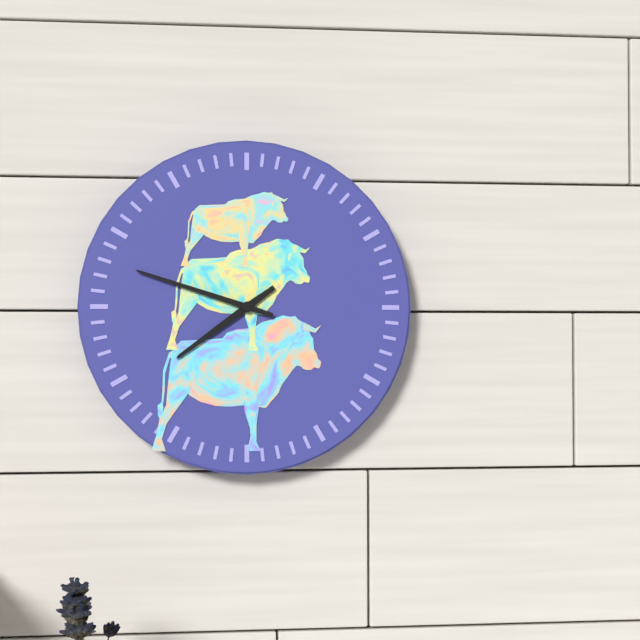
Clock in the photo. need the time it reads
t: 7:48
